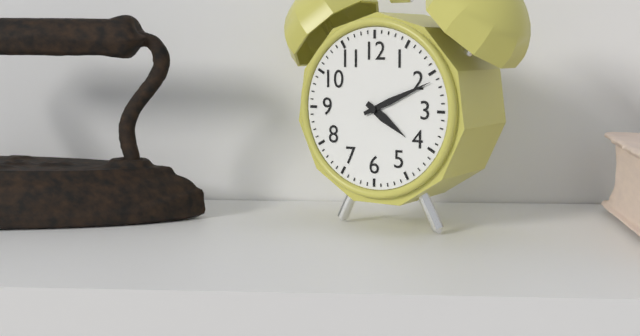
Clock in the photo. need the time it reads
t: 4:11
